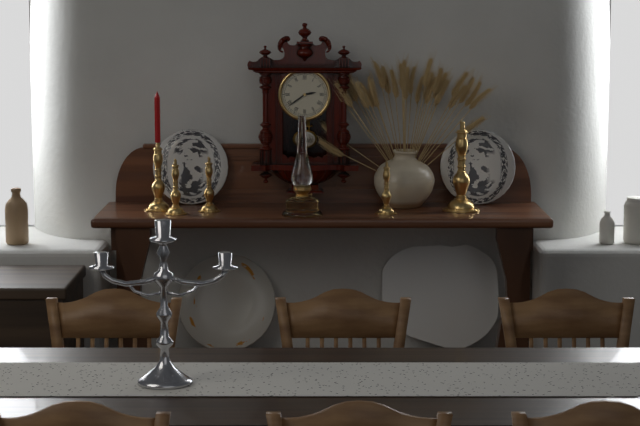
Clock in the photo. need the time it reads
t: 2:39
